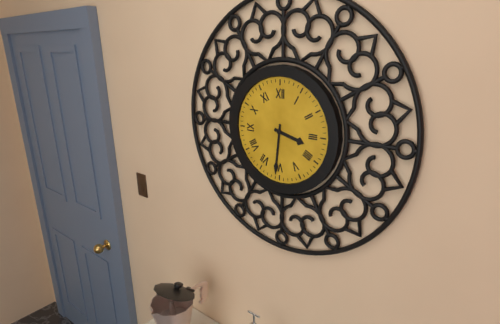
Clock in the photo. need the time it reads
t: 3:31
